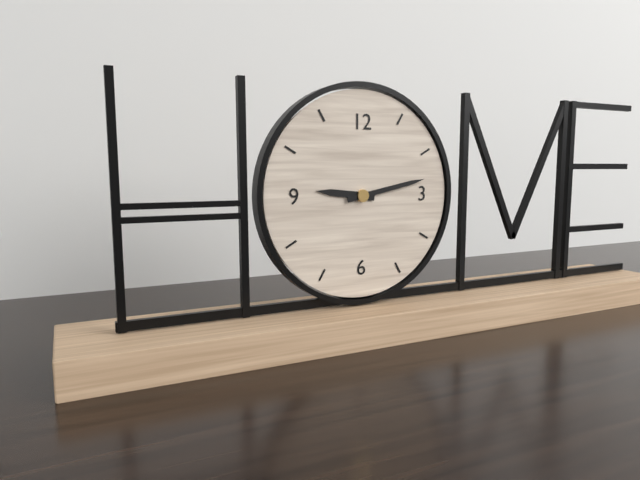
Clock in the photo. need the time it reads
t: 9:13
